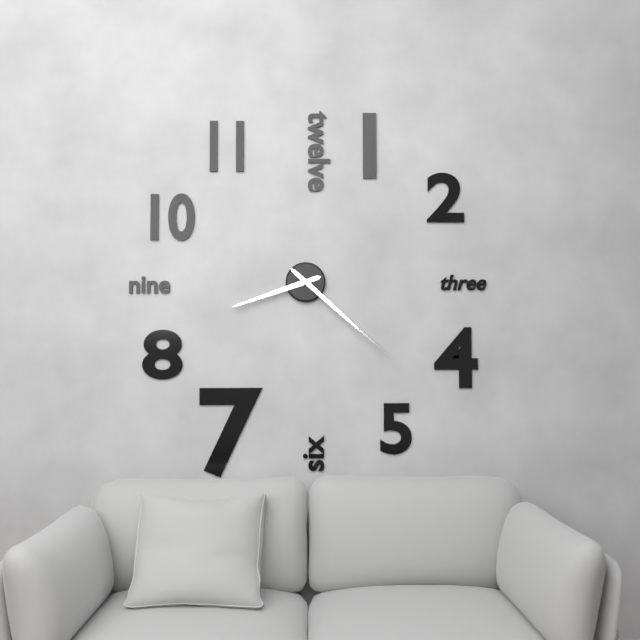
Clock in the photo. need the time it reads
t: 8:22
